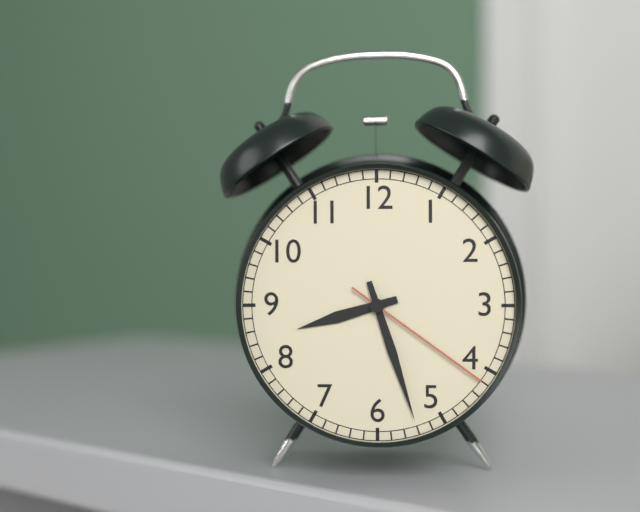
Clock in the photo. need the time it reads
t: 8:27:21
